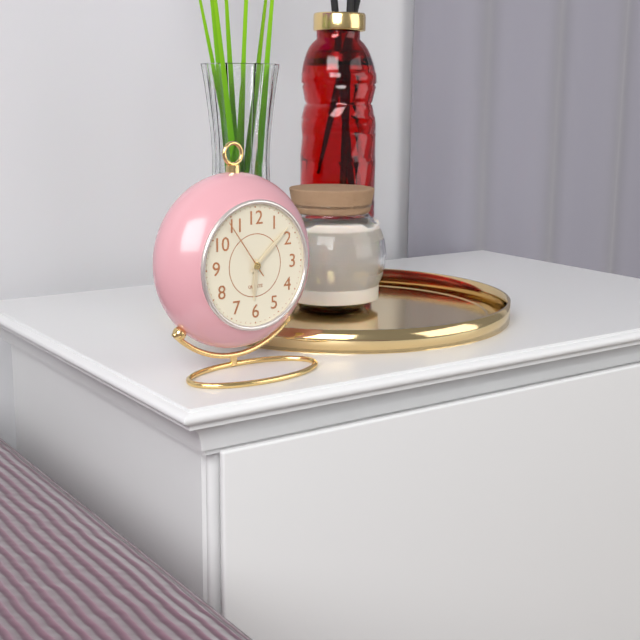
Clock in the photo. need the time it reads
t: 6:08:54
